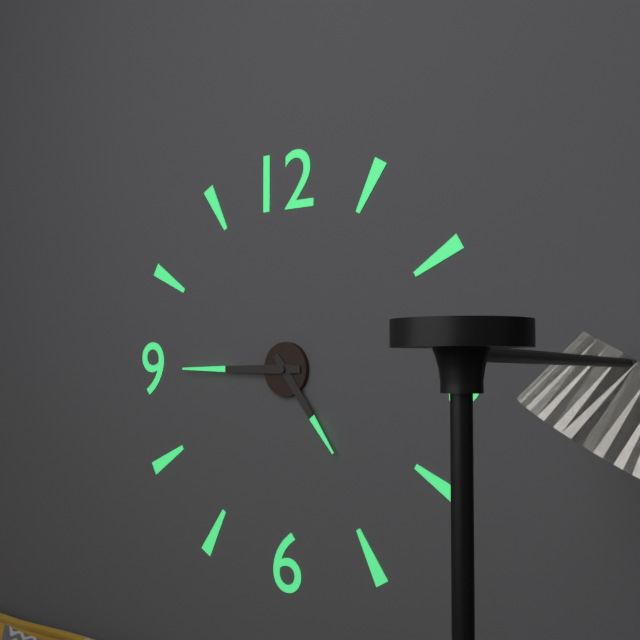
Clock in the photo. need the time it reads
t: 4:45
